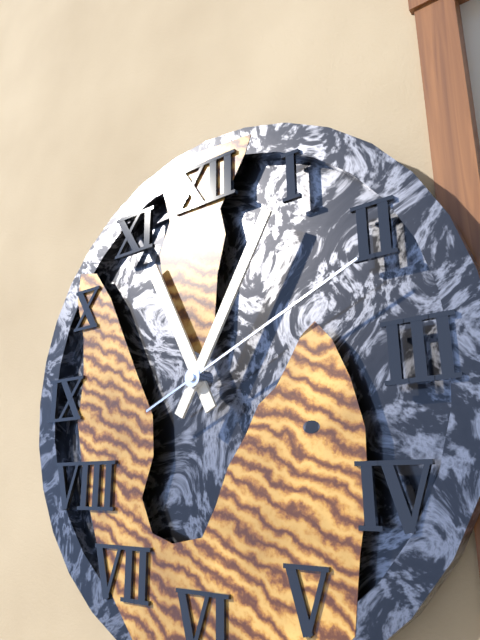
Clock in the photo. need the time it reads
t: 11:05:11
